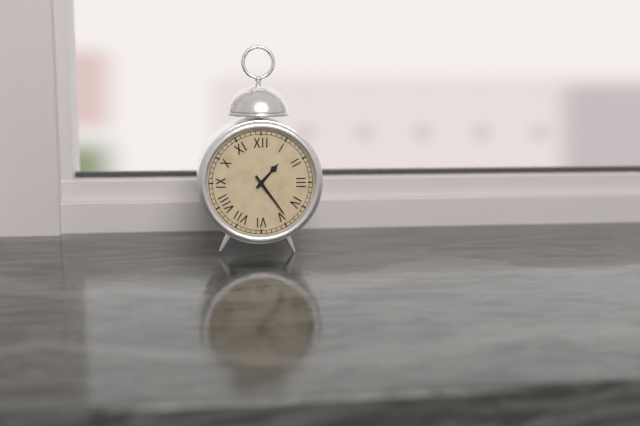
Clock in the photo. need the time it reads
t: 1:24
